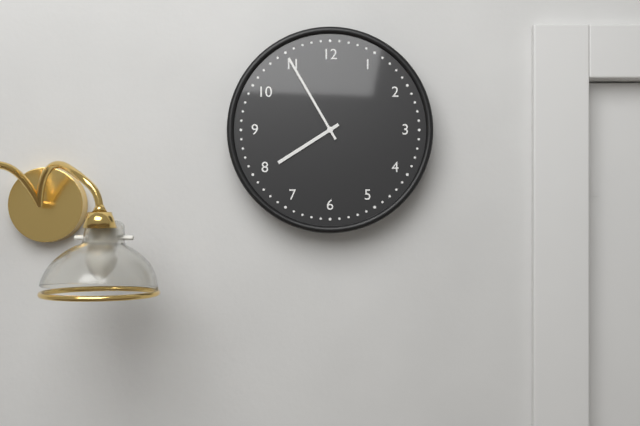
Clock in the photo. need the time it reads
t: 7:55
